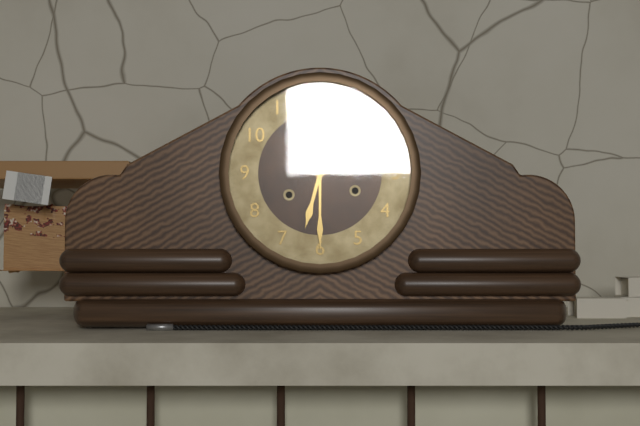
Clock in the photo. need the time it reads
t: 6:30
